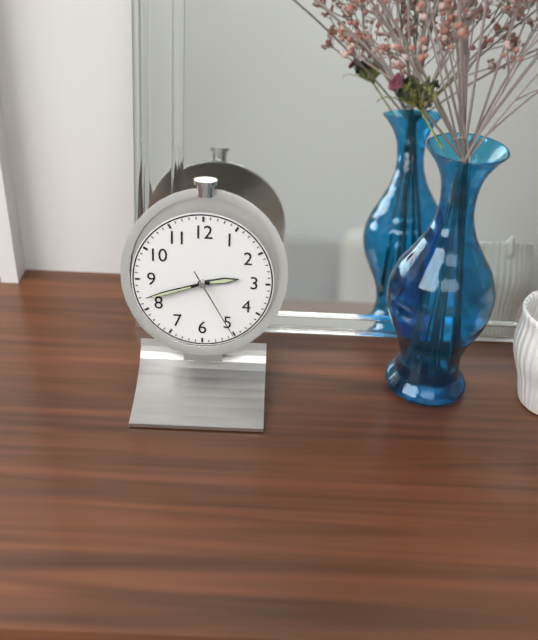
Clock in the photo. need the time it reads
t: 2:42:25
